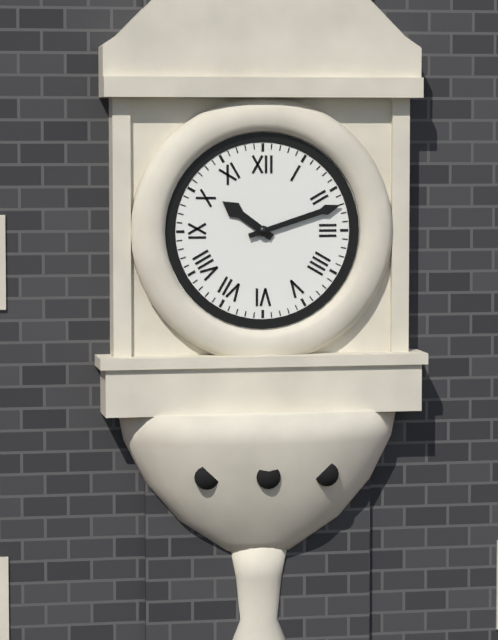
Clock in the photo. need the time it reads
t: 10:12
